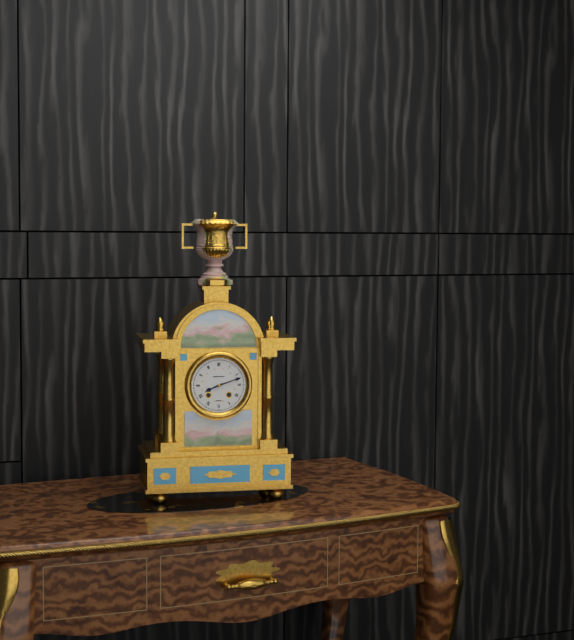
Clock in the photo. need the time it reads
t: 8:12
